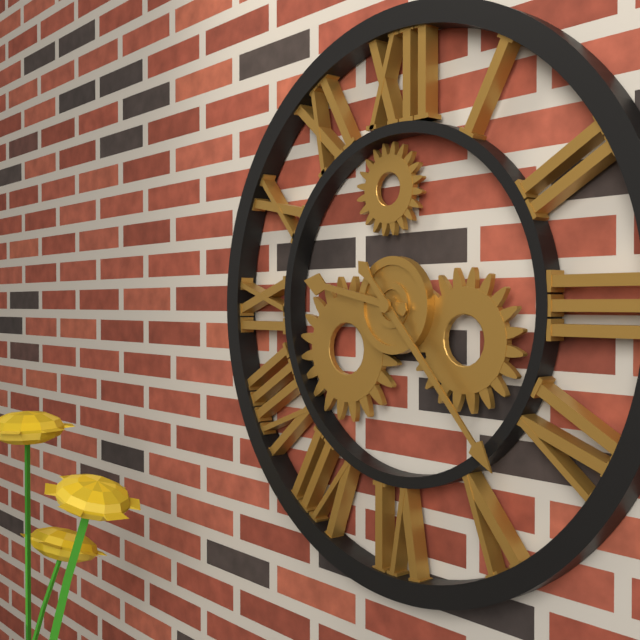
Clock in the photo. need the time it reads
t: 9:23
